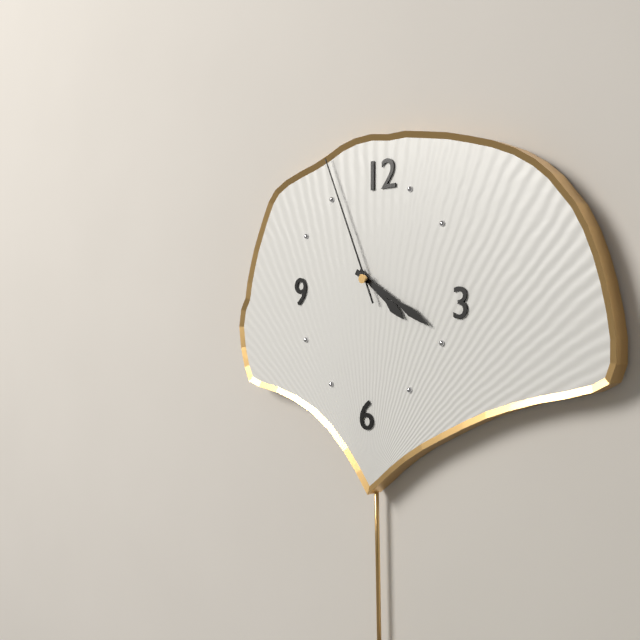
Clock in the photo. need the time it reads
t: 4:20:56
